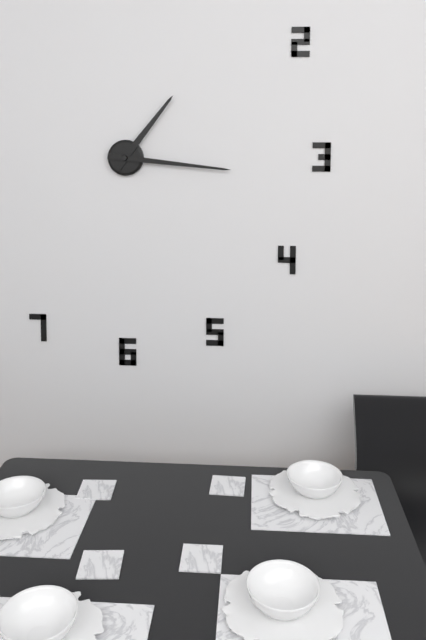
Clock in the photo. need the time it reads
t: 1:16
